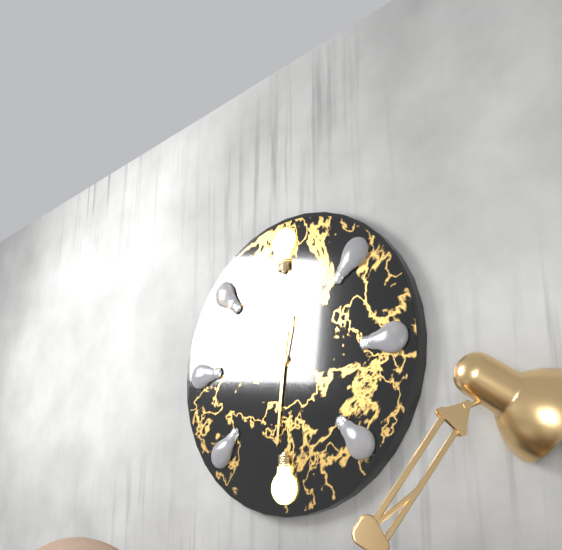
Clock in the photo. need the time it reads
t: 12:31
